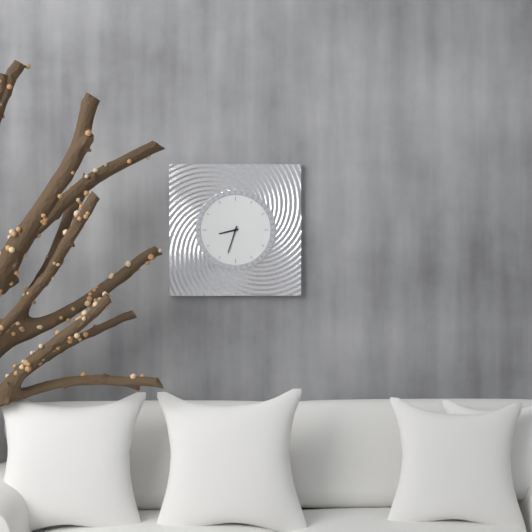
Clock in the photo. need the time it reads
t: 8:33
